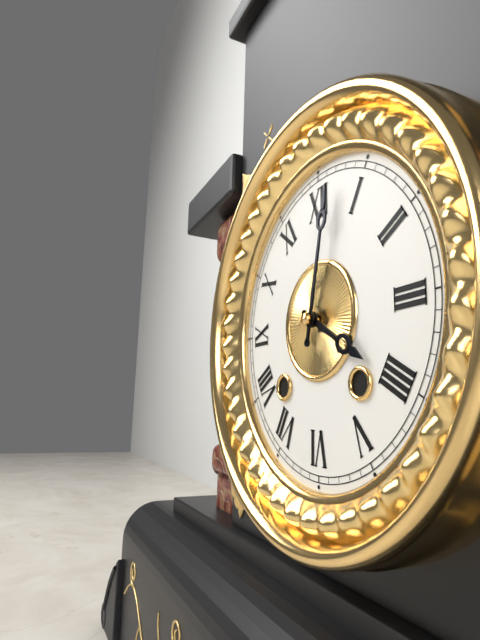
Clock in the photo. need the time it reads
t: 4:02
